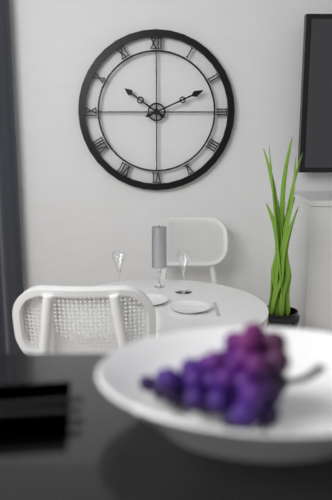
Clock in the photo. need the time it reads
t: 10:11
